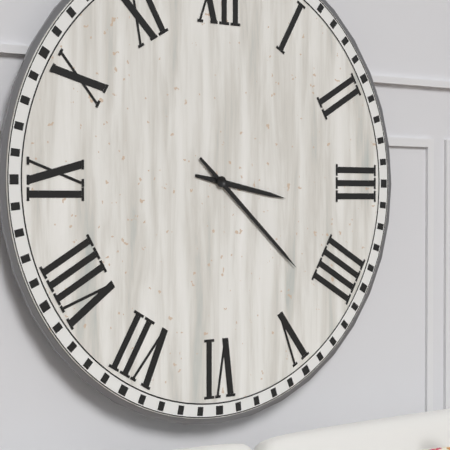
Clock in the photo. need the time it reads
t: 3:22
